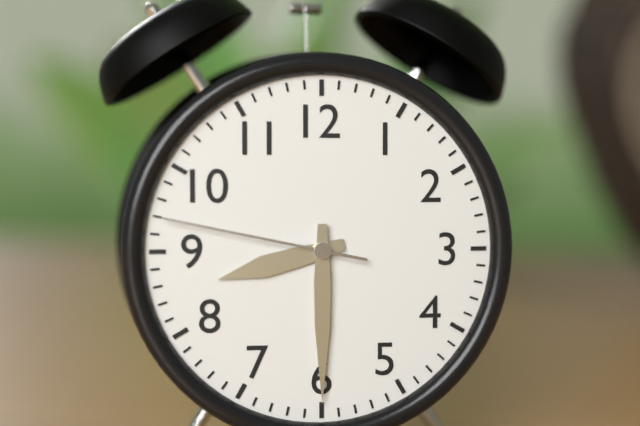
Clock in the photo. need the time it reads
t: 8:30:47
